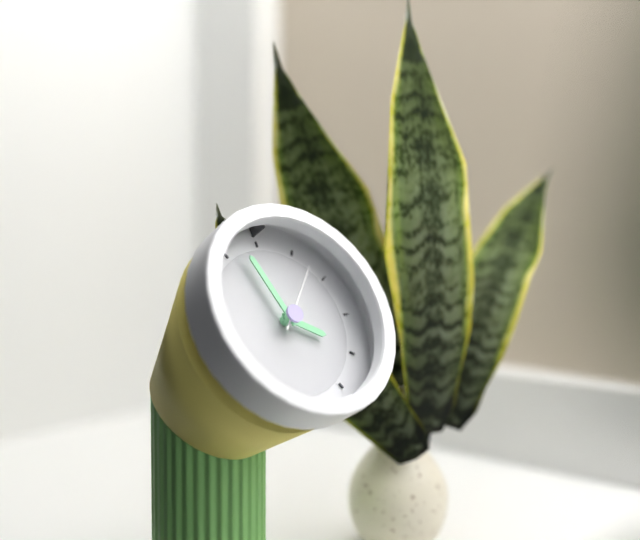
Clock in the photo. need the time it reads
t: 3:57:07
